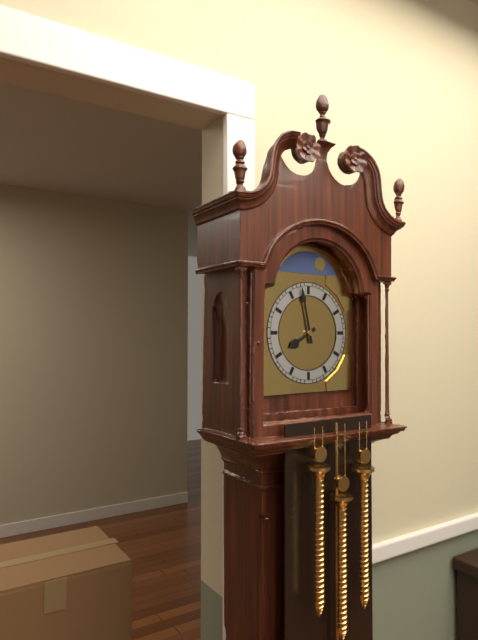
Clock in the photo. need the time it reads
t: 7:58
